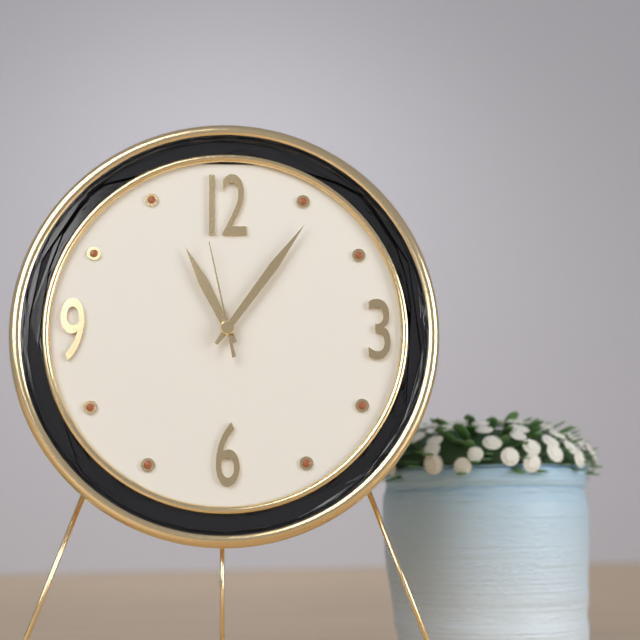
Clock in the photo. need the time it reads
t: 11:06:58
